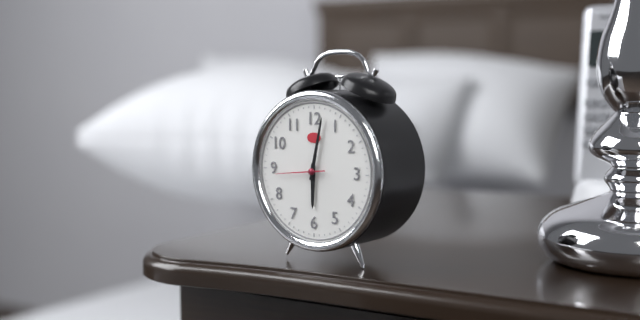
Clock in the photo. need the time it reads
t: 6:02
